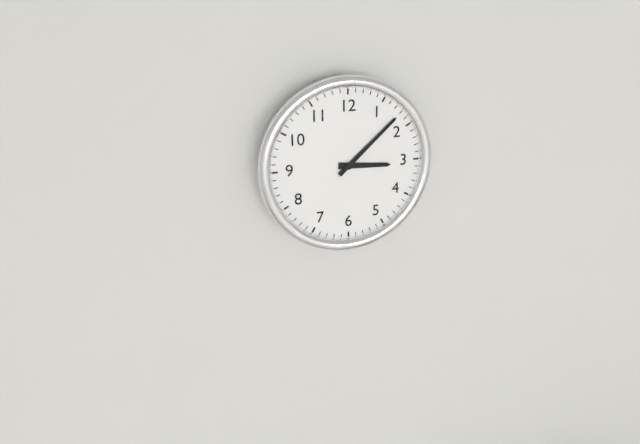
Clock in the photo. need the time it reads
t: 3:08
